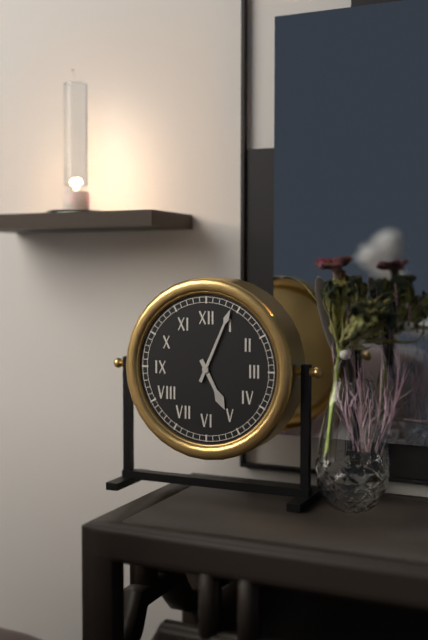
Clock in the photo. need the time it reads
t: 5:04
